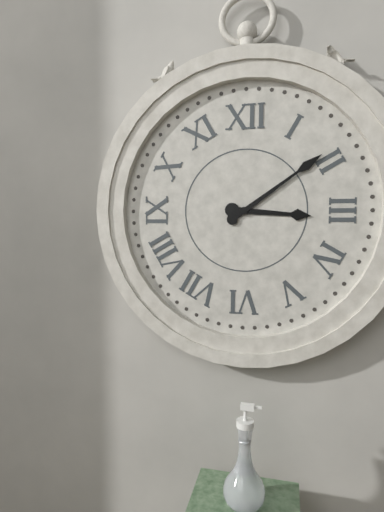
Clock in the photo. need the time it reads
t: 3:09
